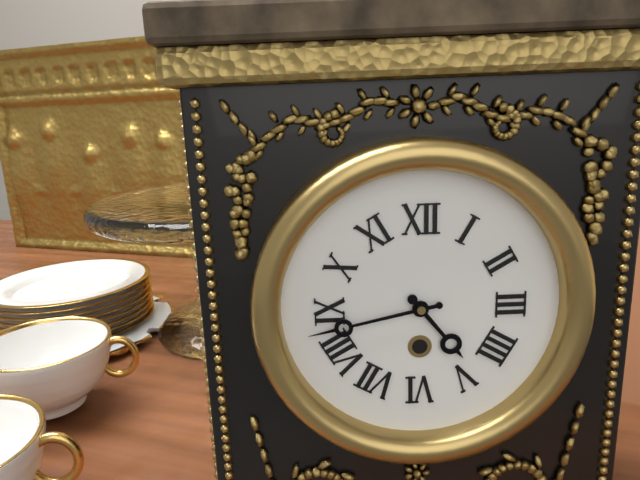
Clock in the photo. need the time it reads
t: 4:43
